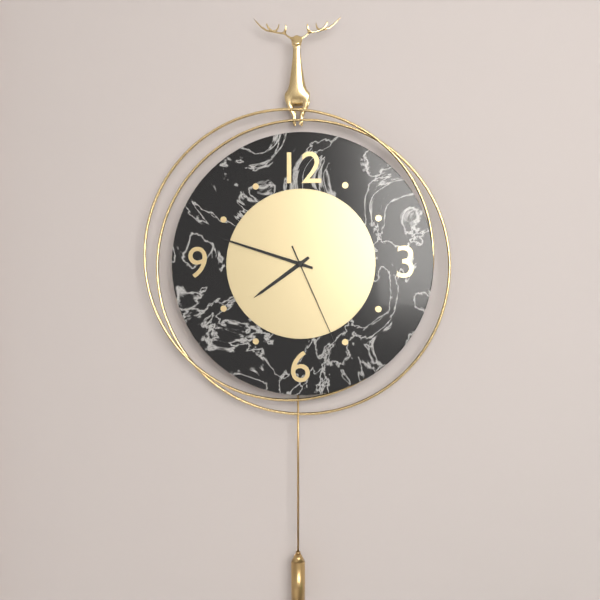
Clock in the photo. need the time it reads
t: 7:48:26
